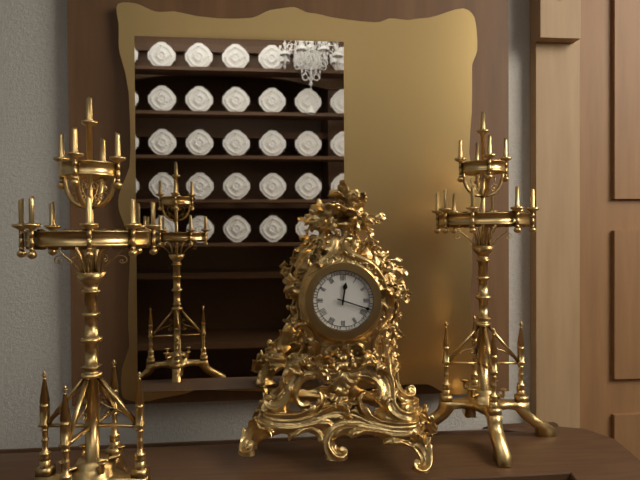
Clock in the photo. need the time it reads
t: 12:18
